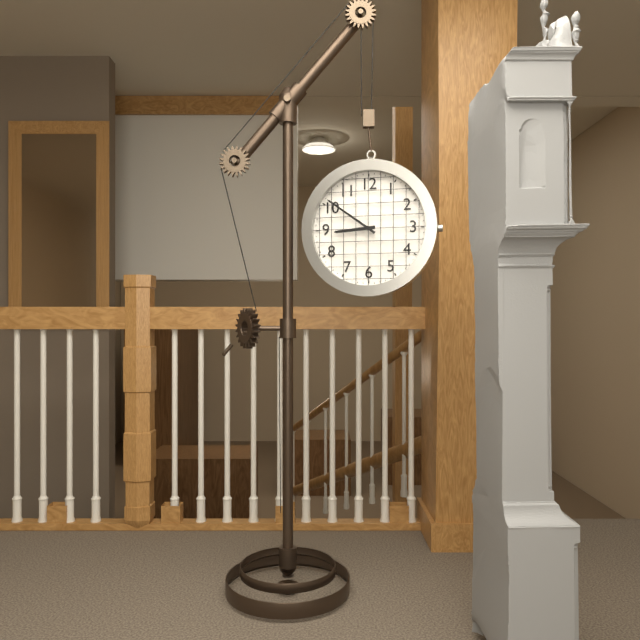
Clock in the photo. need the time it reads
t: 8:51
